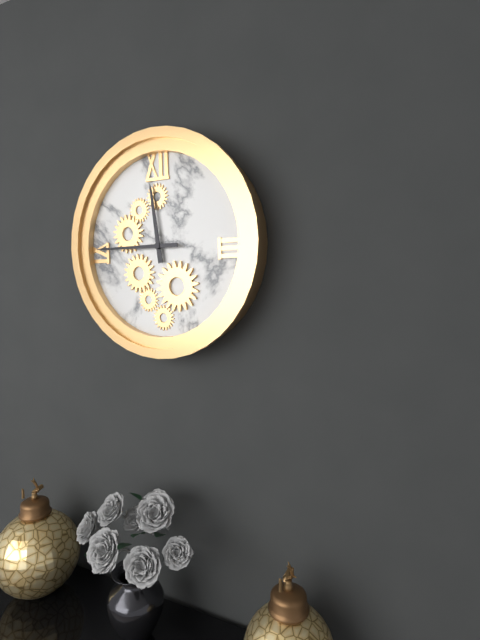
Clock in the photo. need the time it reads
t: 11:45
